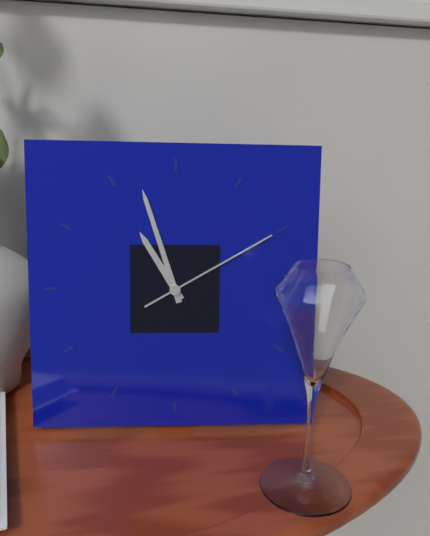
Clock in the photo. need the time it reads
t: 10:57:10
